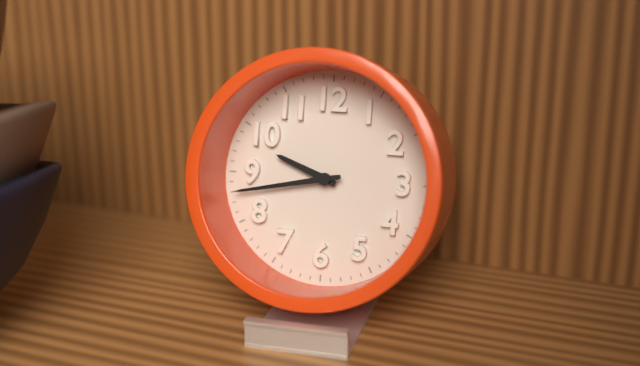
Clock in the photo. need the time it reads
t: 9:43
